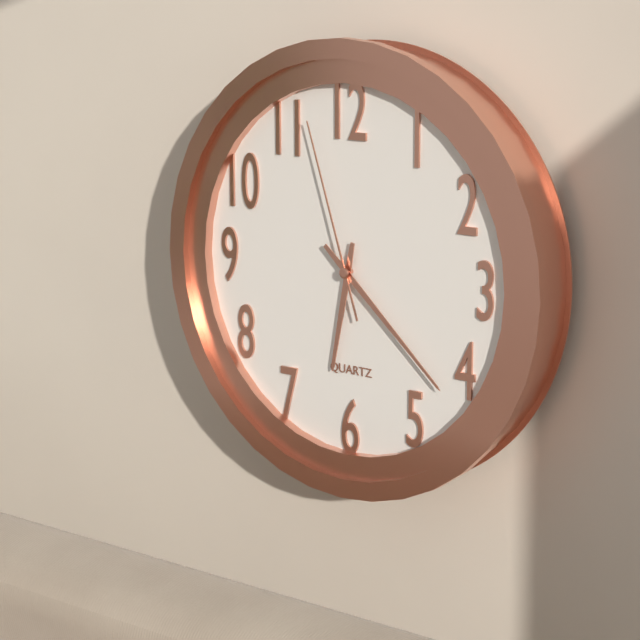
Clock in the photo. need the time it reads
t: 6:22:57
